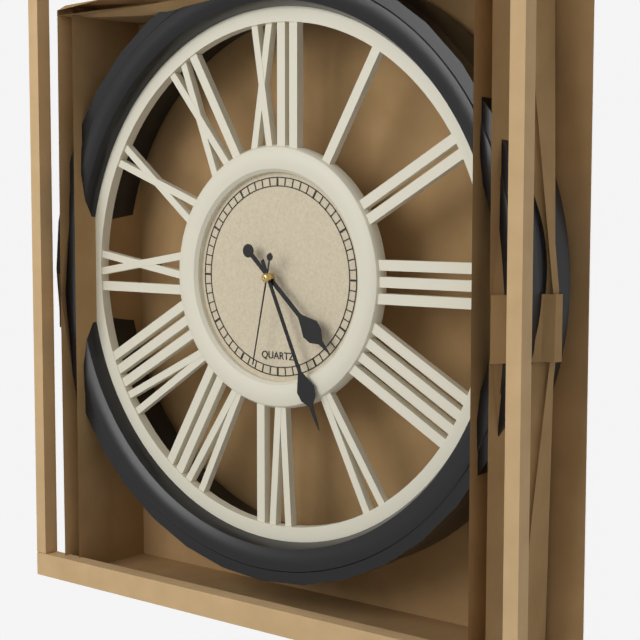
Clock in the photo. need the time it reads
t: 4:26:32
